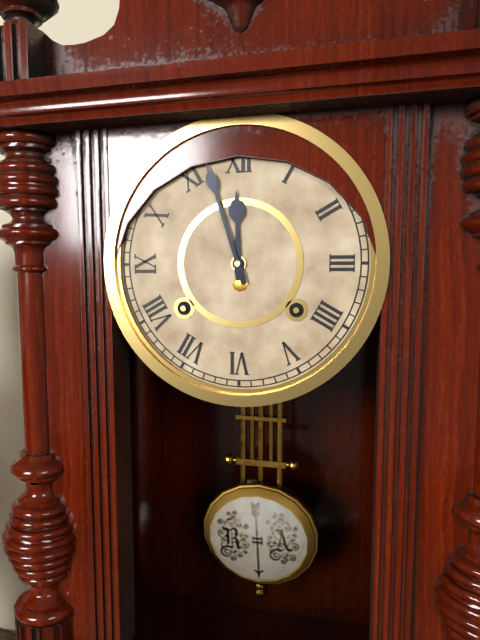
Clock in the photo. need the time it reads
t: 11:57
